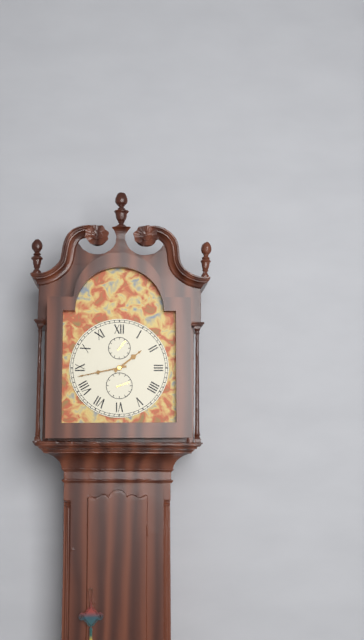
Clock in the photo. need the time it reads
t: 1:43
